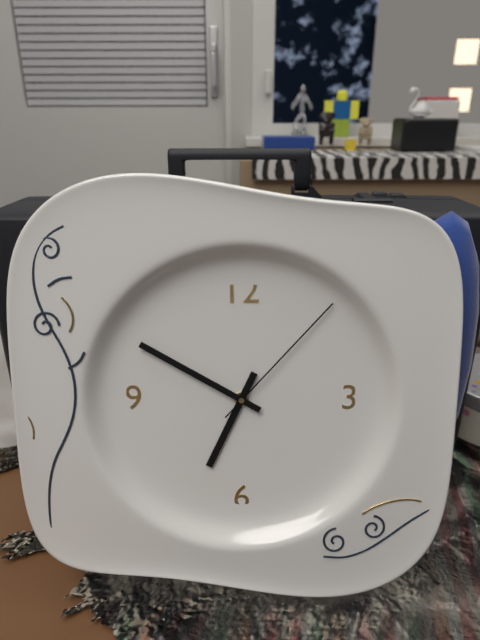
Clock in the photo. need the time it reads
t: 6:50:07
